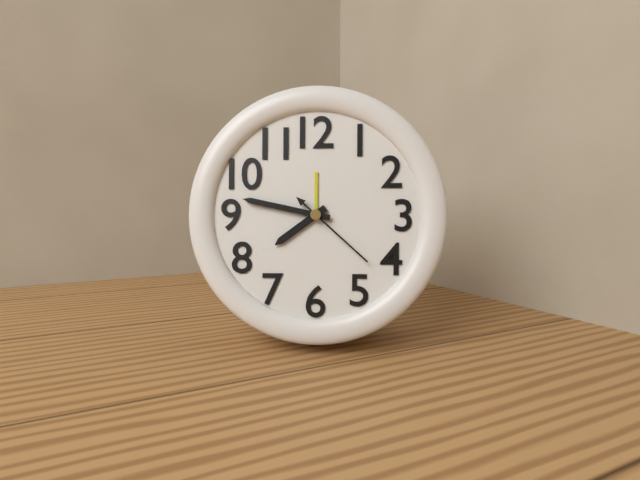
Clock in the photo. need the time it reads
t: 7:47:22
